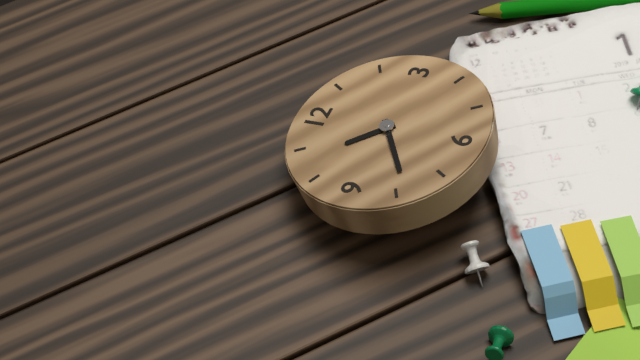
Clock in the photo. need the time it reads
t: 10:39
